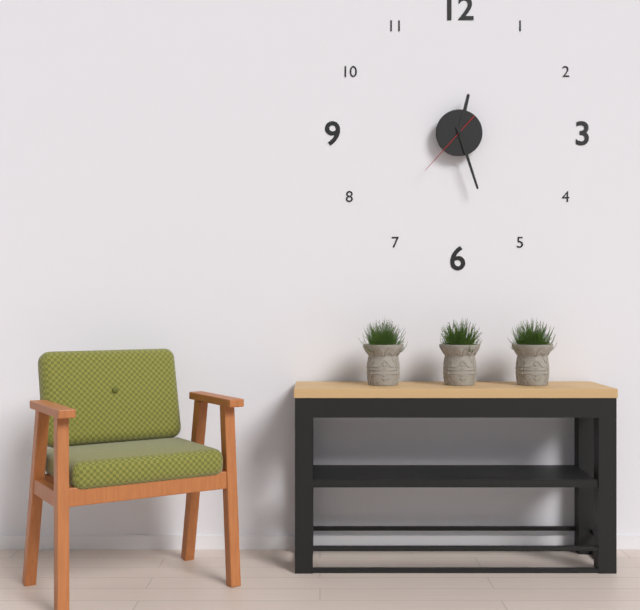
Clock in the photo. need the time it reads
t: 12:27:37
